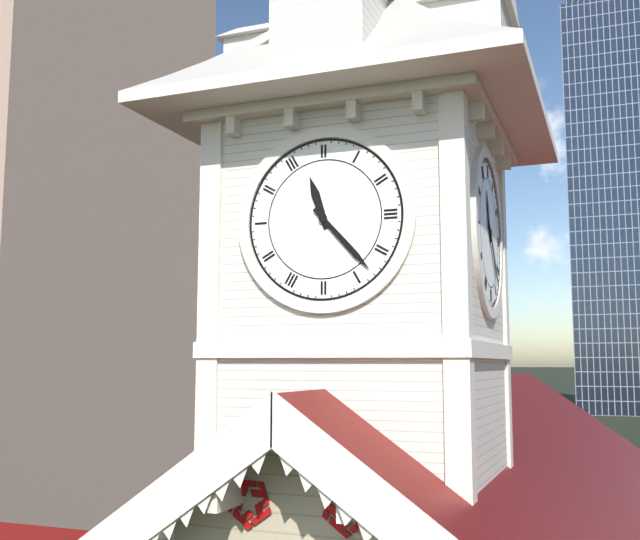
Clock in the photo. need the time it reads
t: 11:23
